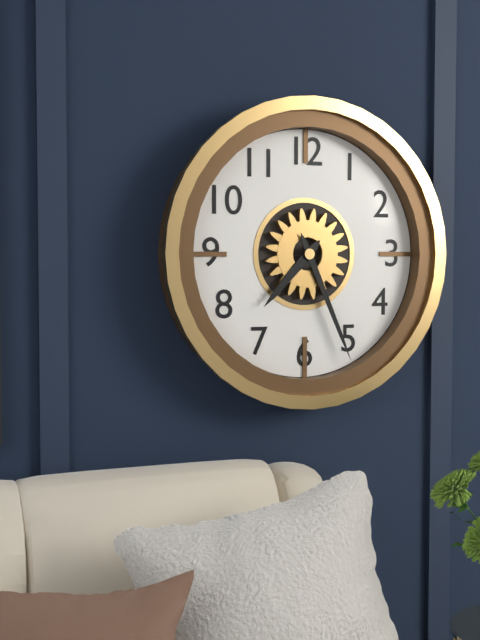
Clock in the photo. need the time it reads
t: 7:26
